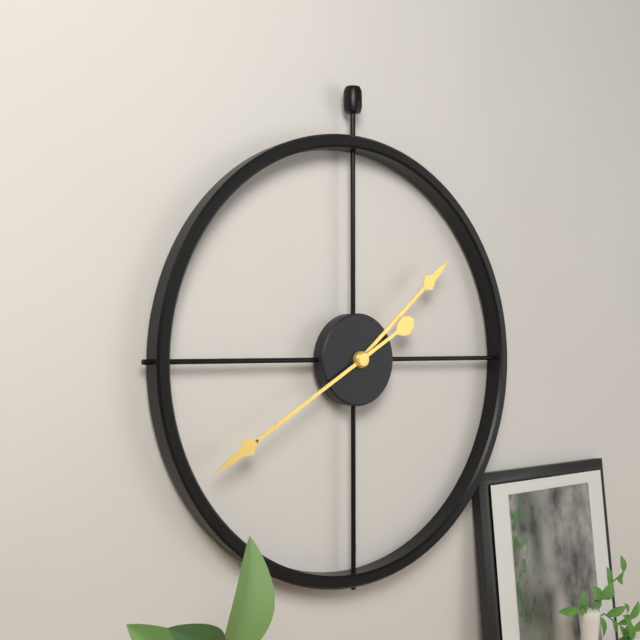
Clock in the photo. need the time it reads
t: 1:40
